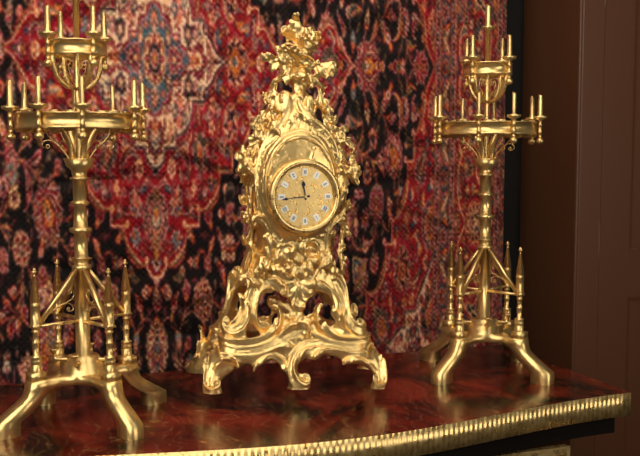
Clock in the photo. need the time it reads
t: 11:44
